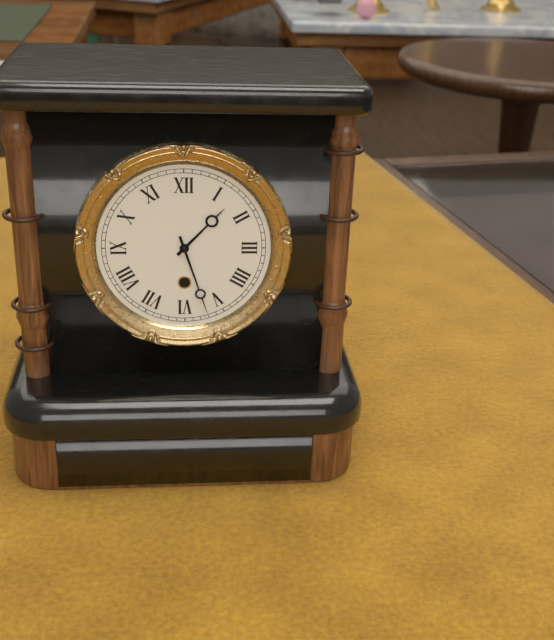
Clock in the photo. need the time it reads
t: 1:27
